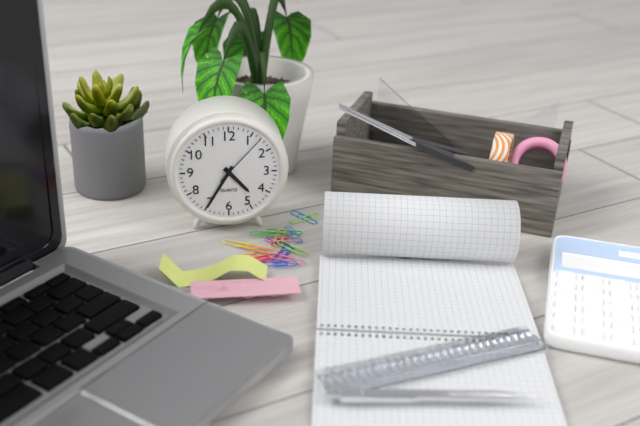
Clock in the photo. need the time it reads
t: 4:35:07
